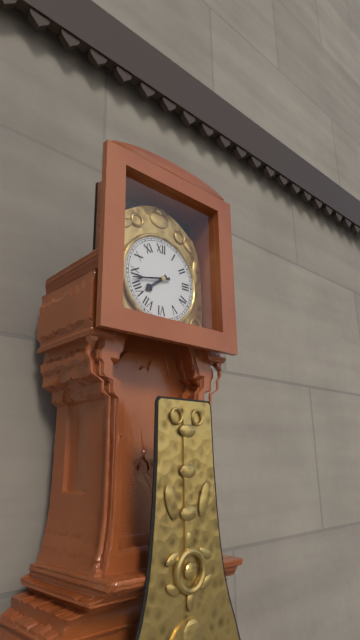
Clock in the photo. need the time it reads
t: 7:43
